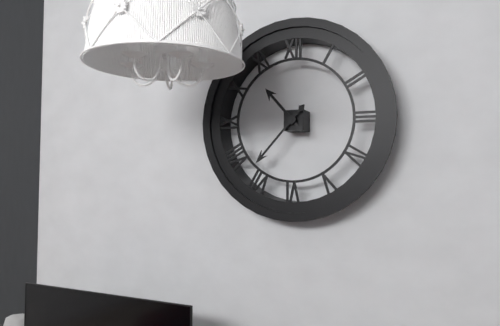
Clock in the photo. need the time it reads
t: 10:37
